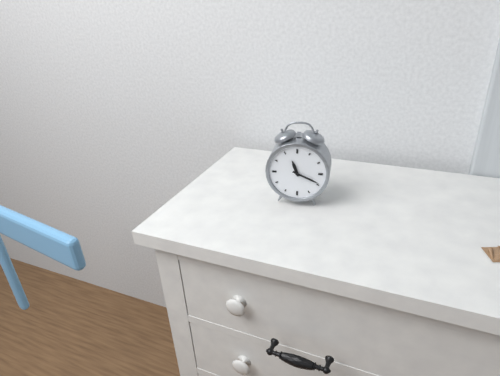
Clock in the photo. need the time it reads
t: 11:19
